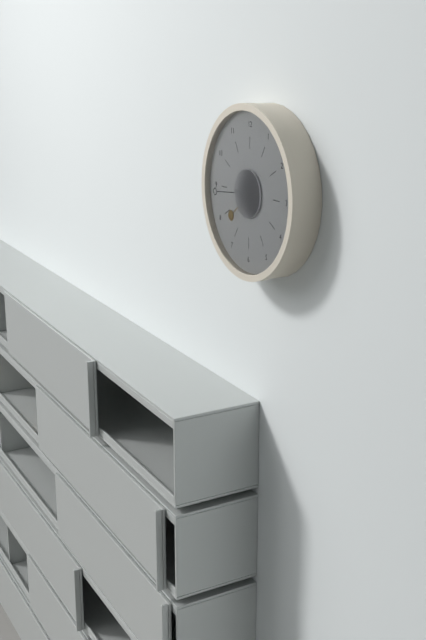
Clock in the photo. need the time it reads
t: 7:44
